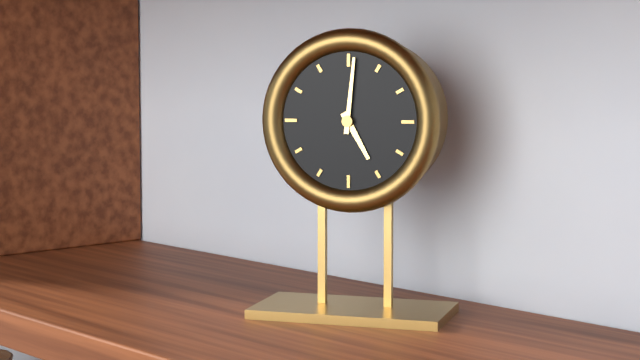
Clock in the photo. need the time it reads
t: 5:01
